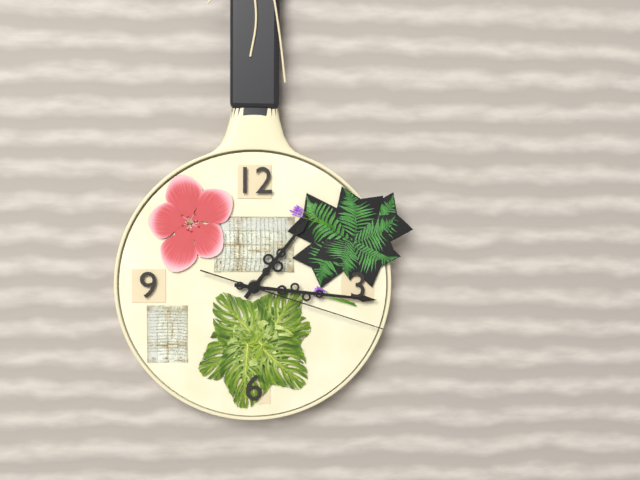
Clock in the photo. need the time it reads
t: 1:16:18
